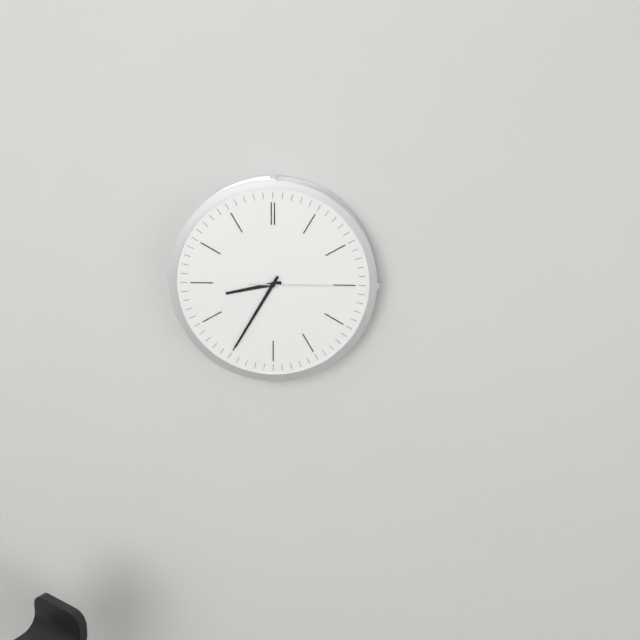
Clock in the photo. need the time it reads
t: 8:35:15
